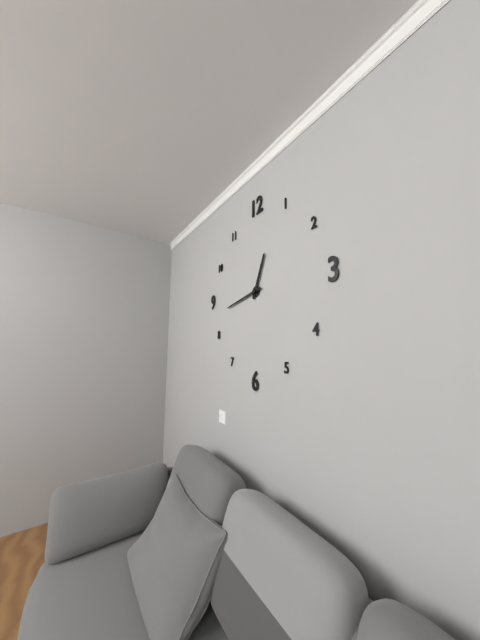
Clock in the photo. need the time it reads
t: 12:43
